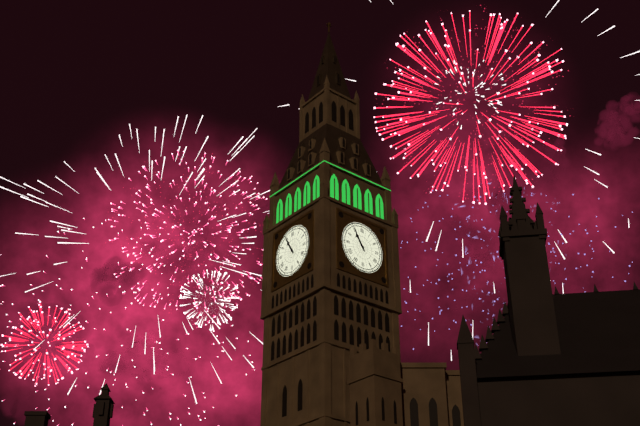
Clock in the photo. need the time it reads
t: 10:55
